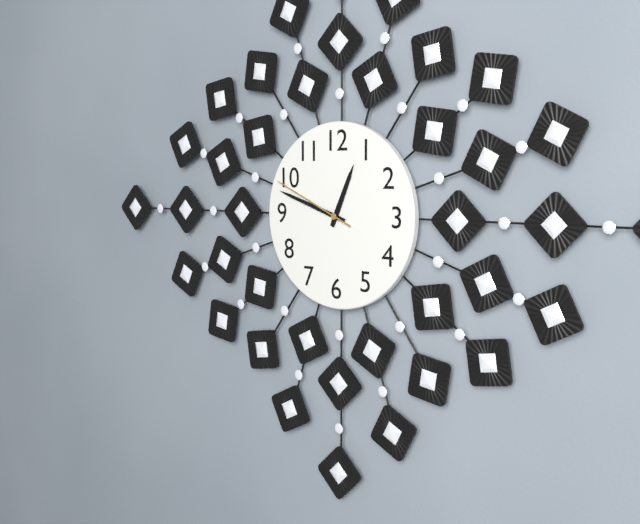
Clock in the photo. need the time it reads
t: 12:48:49
